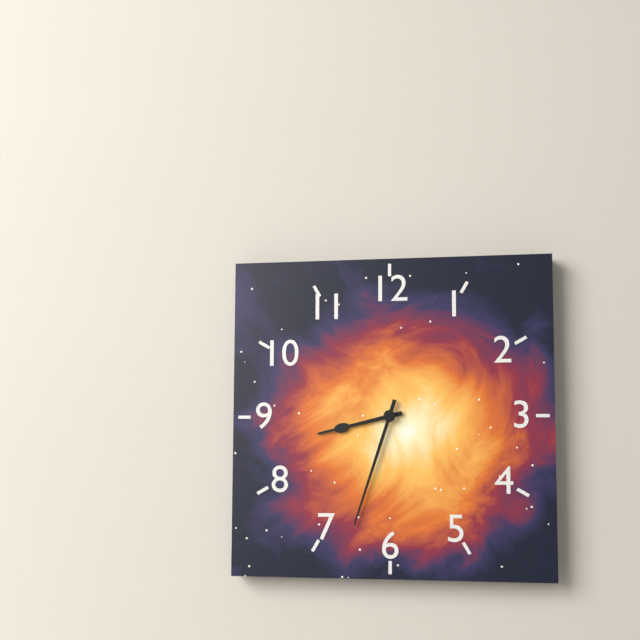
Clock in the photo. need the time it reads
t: 8:33
